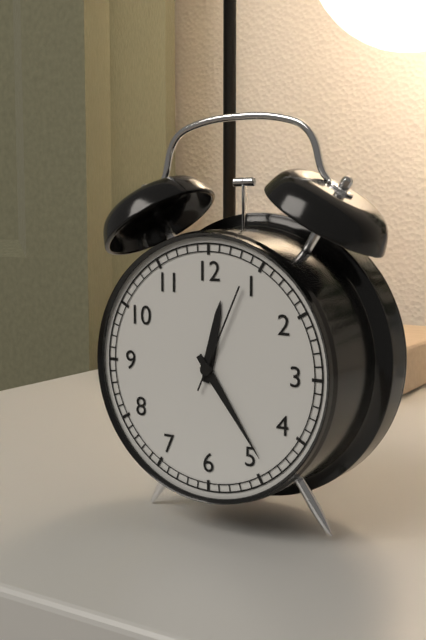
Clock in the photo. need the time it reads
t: 12:24:04
